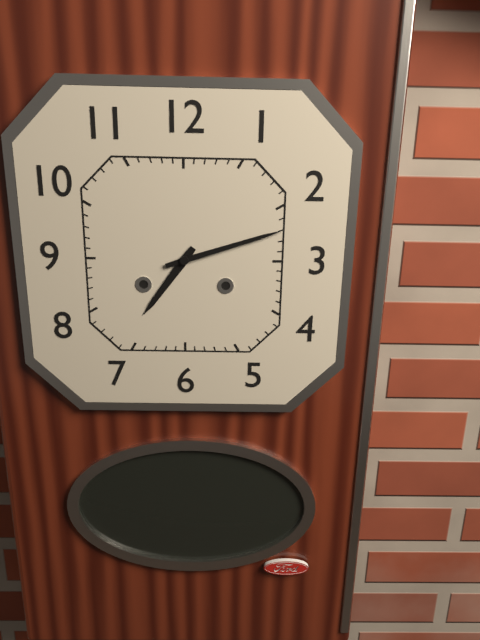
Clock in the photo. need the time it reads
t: 7:12
